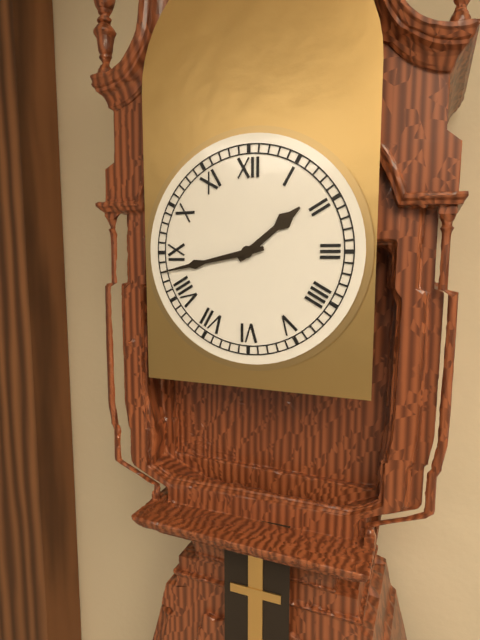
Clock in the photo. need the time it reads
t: 1:43
